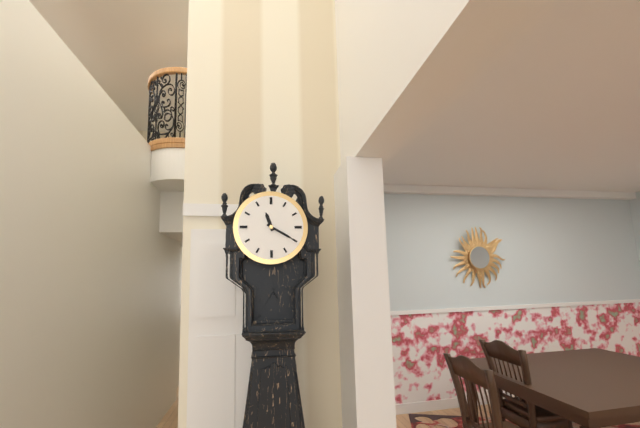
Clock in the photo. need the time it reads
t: 11:20
